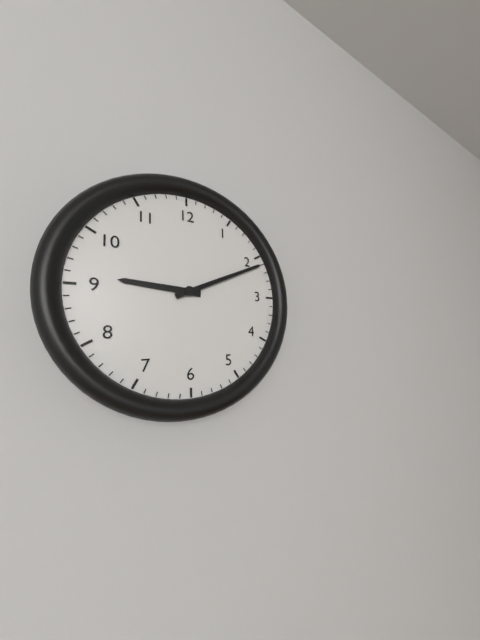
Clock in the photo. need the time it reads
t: 9:11
